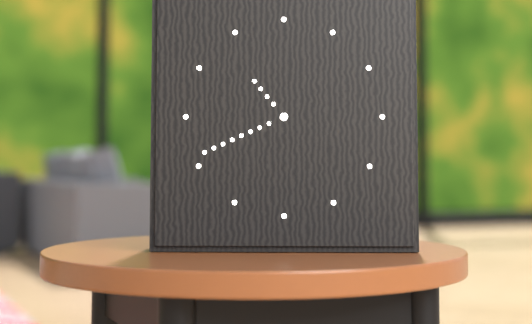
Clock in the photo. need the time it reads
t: 10:41
